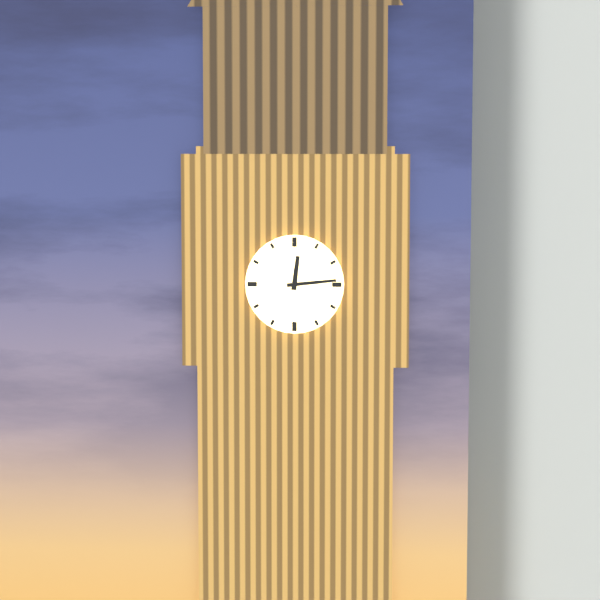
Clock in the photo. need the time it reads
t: 12:14
